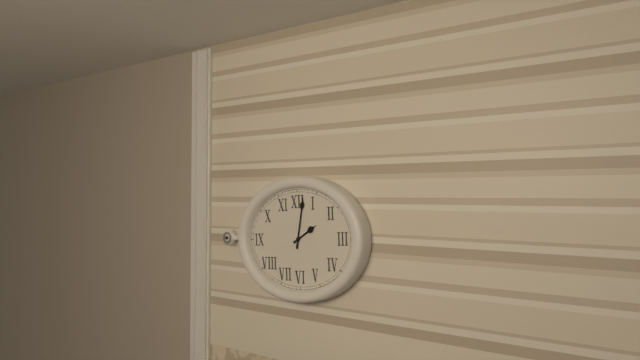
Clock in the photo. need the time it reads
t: 2:02
